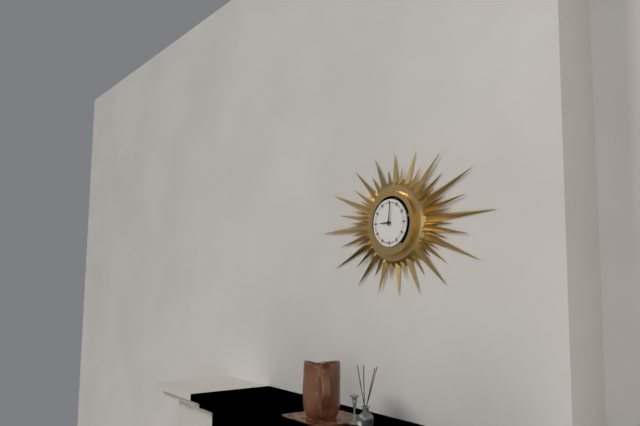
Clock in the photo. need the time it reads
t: 9:01
